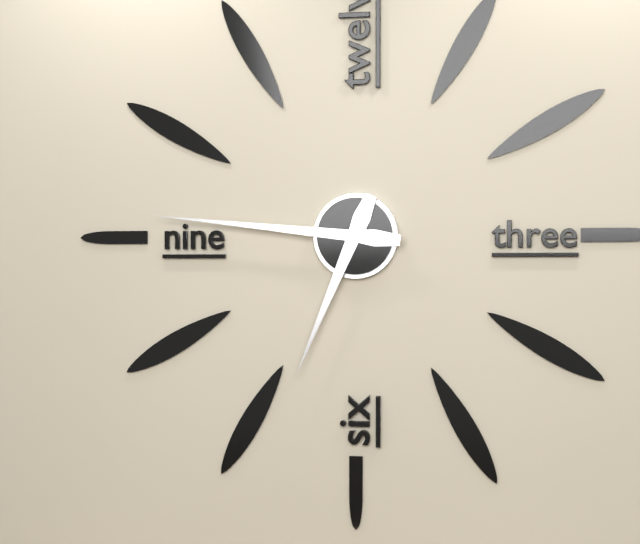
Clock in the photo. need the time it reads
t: 6:46
